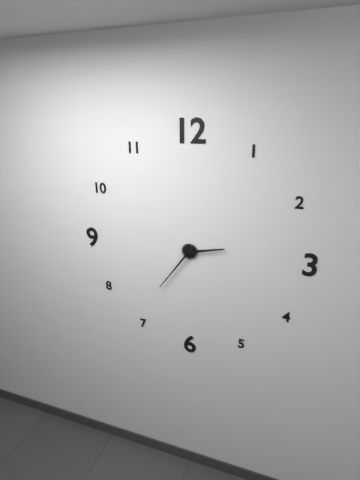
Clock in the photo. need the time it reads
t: 2:36
